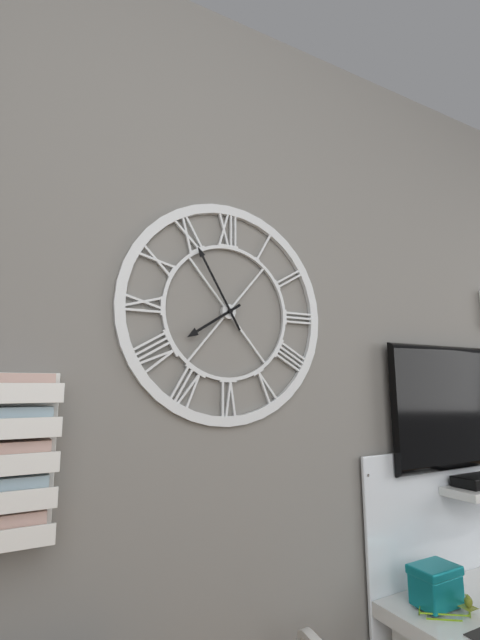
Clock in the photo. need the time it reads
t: 7:55
